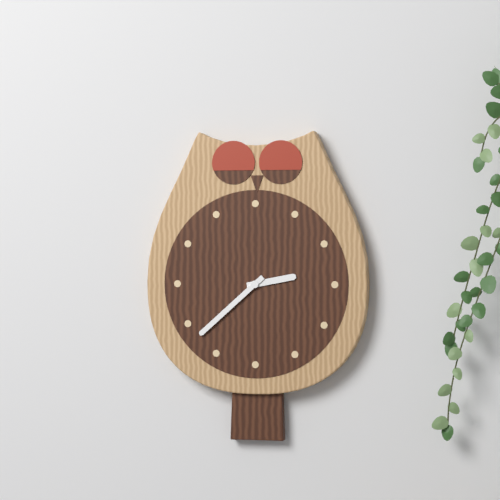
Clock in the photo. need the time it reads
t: 2:38
